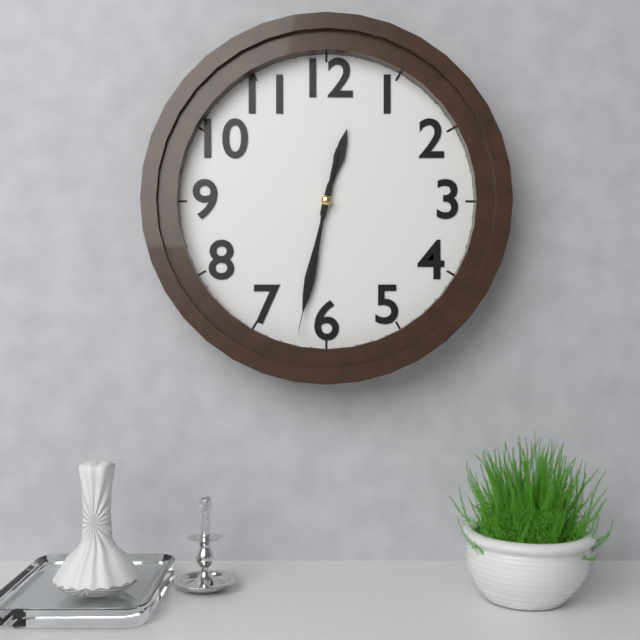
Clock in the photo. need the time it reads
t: 12:32:32
